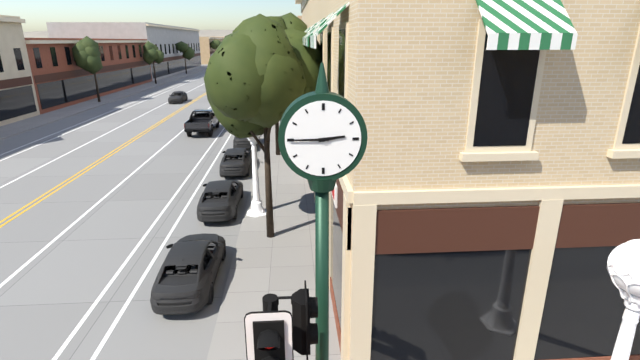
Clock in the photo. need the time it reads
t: 2:45
